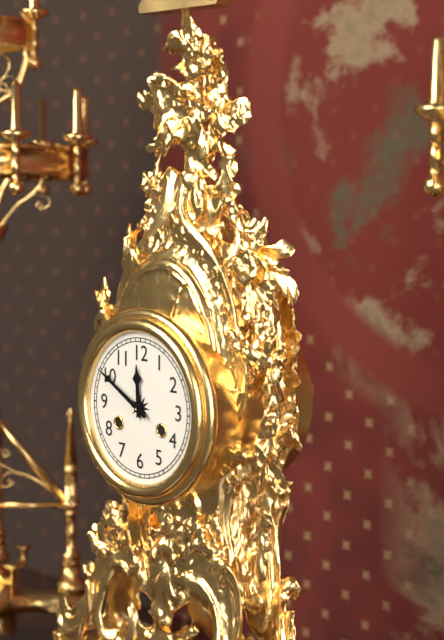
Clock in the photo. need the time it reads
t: 11:50
